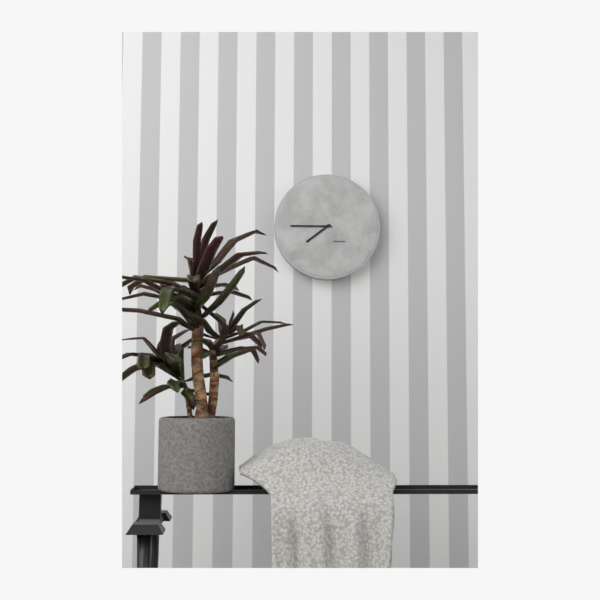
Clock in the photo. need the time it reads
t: 7:45
